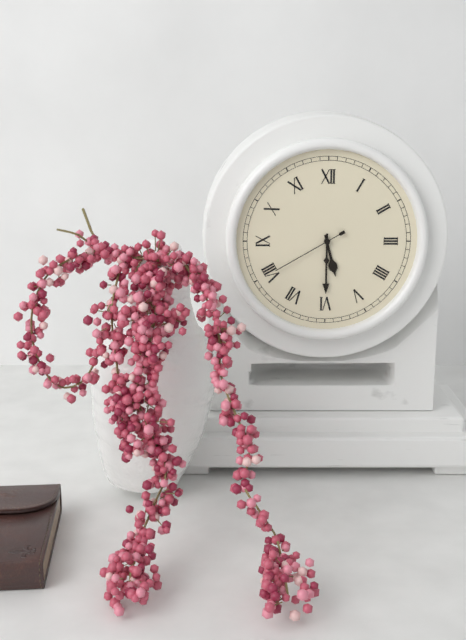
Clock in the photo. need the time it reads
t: 5:30:40
